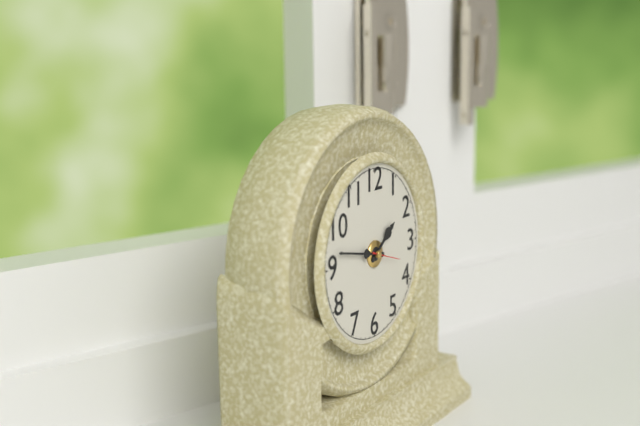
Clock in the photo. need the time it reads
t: 1:47
